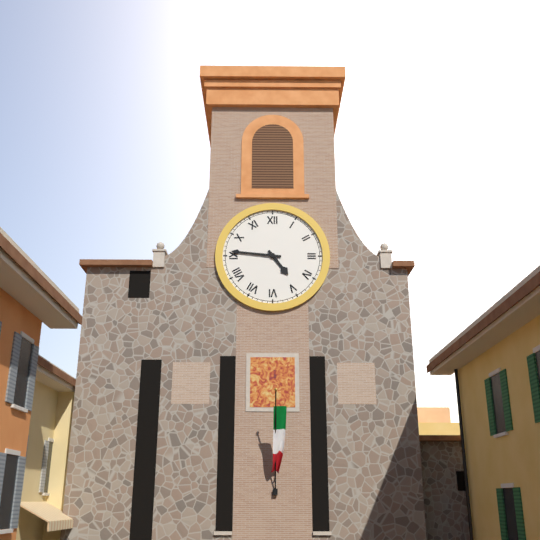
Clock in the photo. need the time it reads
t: 4:46
